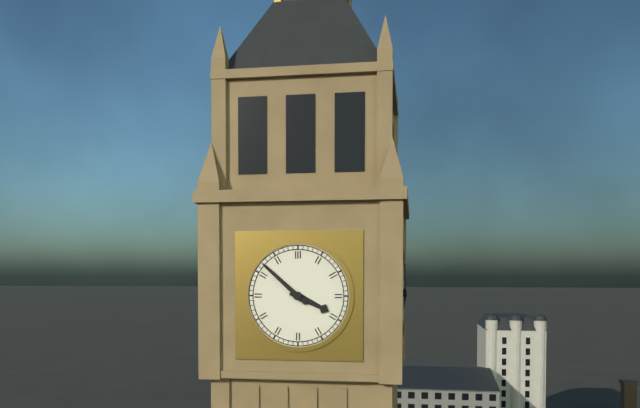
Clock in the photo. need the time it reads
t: 3:52
